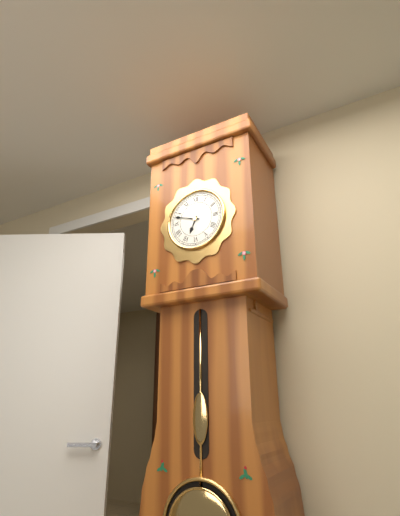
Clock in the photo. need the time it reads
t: 6:48
